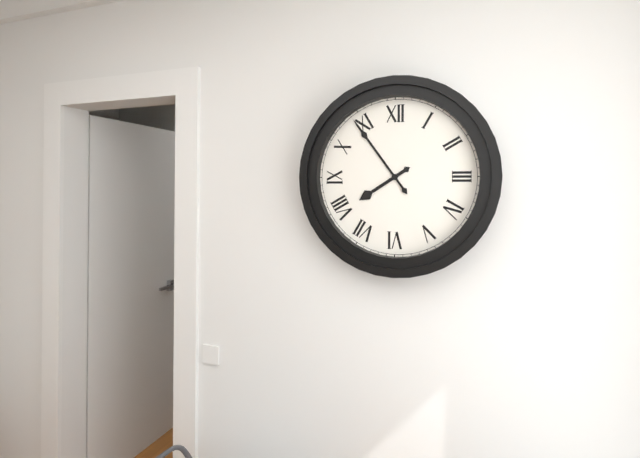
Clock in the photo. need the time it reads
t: 7:54
